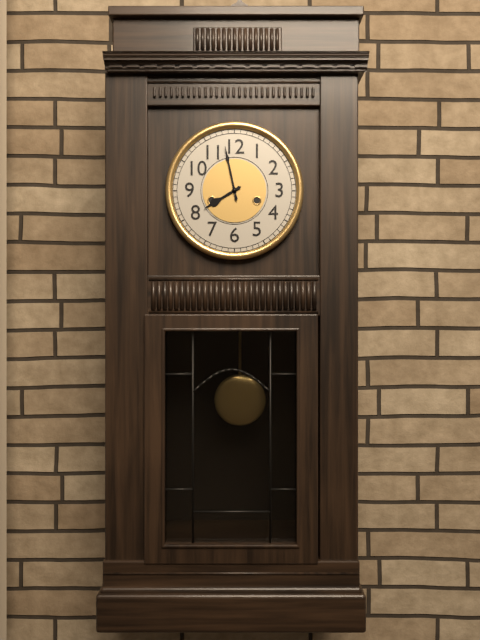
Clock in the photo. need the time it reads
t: 7:58
